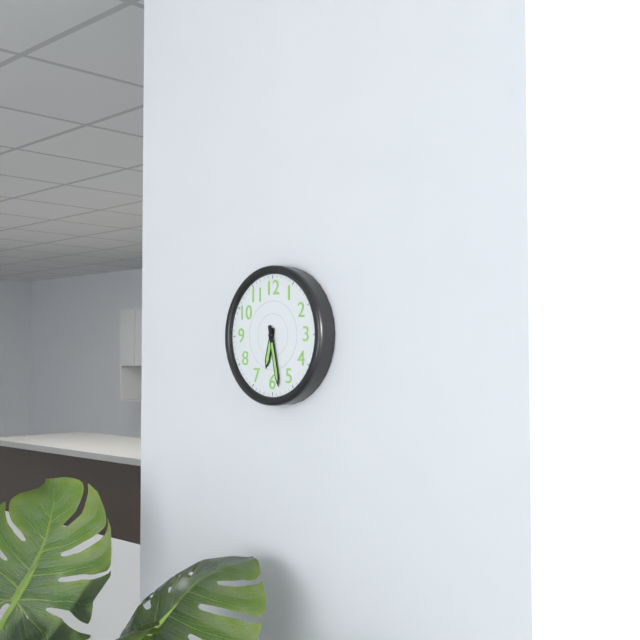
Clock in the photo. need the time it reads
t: 6:28
